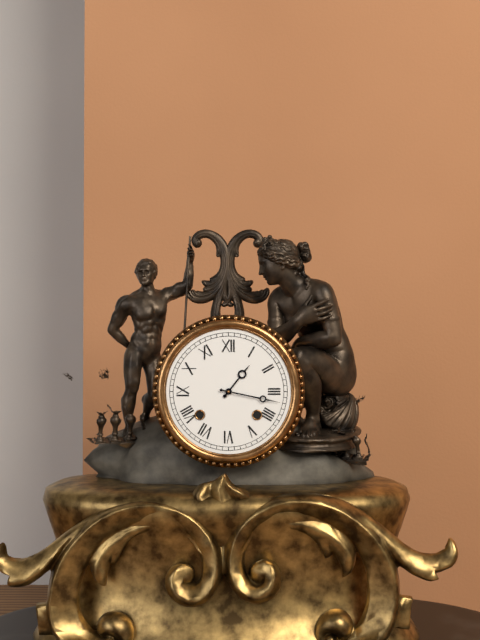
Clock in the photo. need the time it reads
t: 1:17
